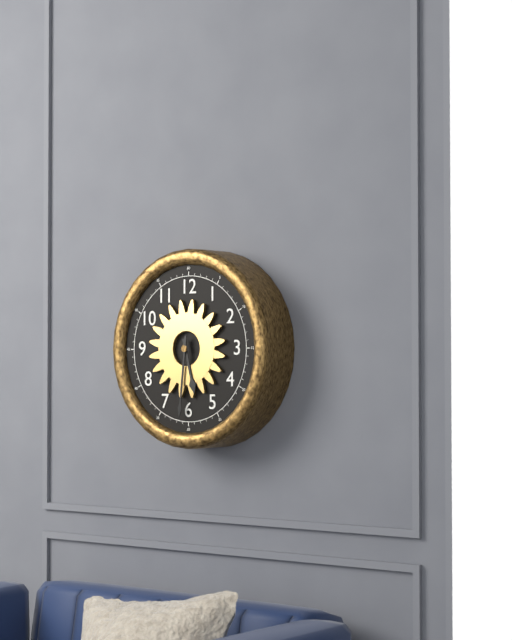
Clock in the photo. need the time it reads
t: 5:31
